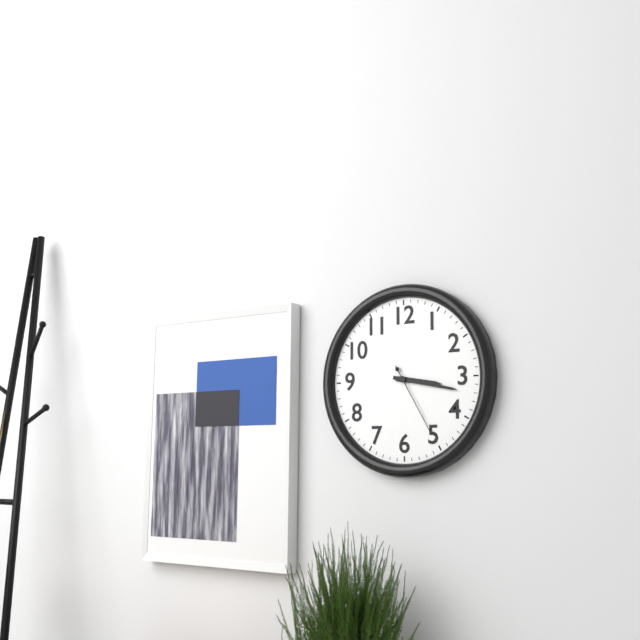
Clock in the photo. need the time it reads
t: 3:17:25
